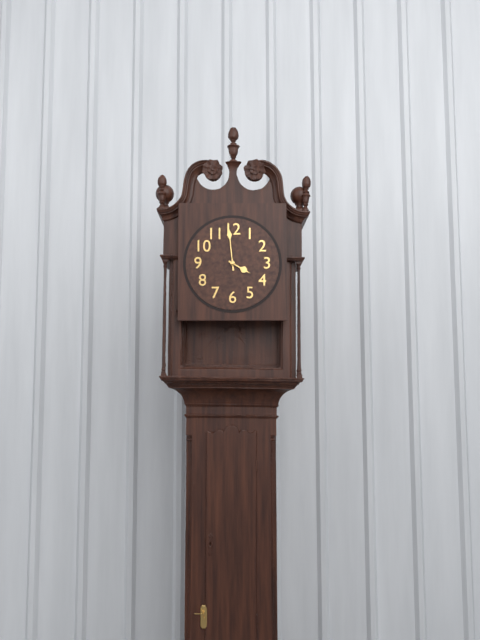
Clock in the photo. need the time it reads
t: 3:59
